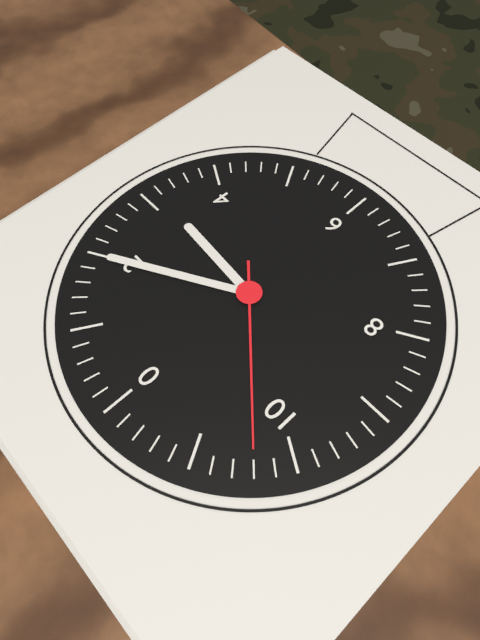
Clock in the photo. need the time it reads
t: 3:10:52
